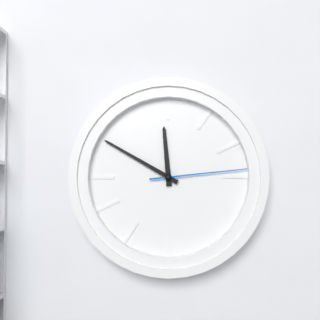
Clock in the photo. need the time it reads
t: 11:50:14
